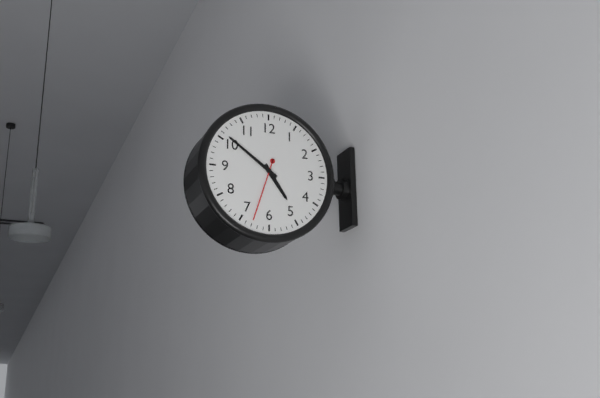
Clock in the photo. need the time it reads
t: 4:51:33
